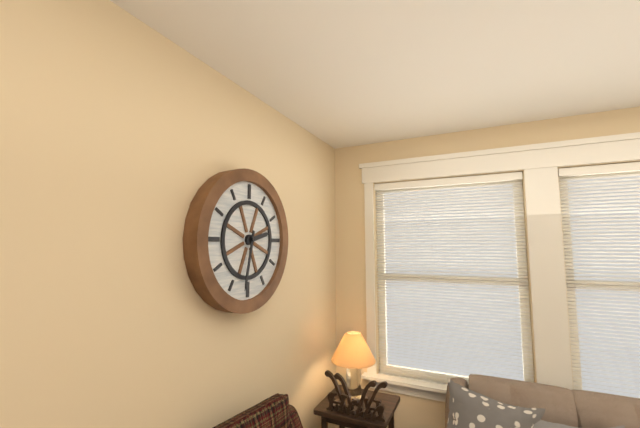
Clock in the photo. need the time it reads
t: 2:32
